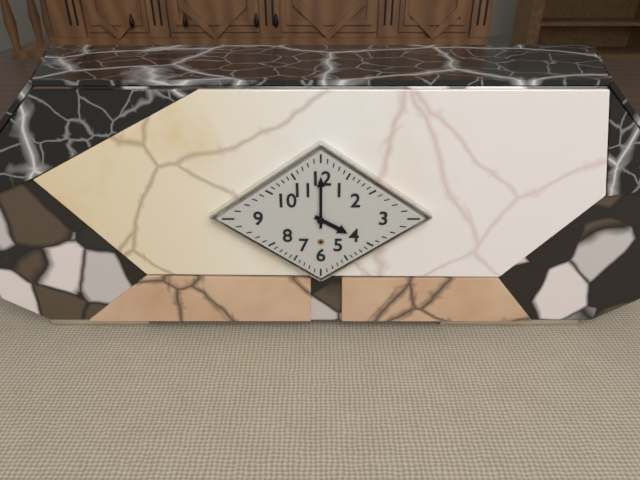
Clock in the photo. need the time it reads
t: 4:00
